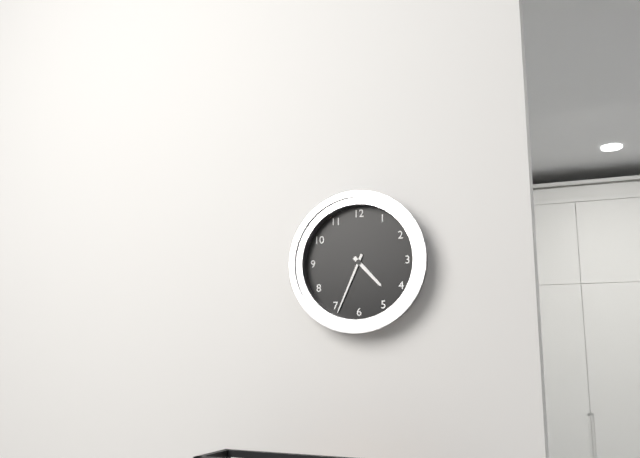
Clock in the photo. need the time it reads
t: 4:34
